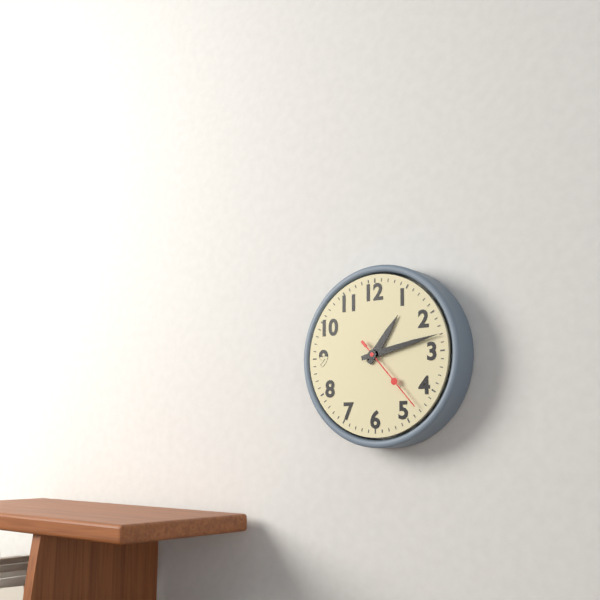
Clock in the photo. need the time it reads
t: 1:13:23
